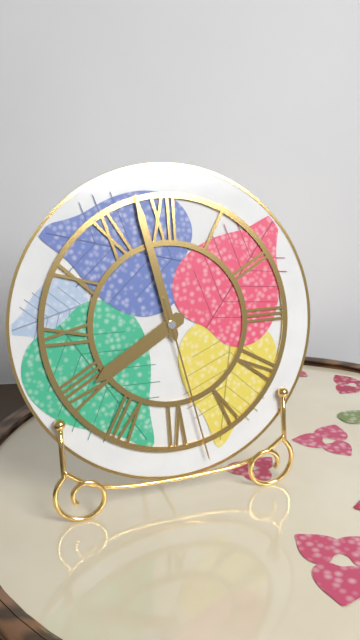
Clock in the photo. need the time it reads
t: 7:58:28
